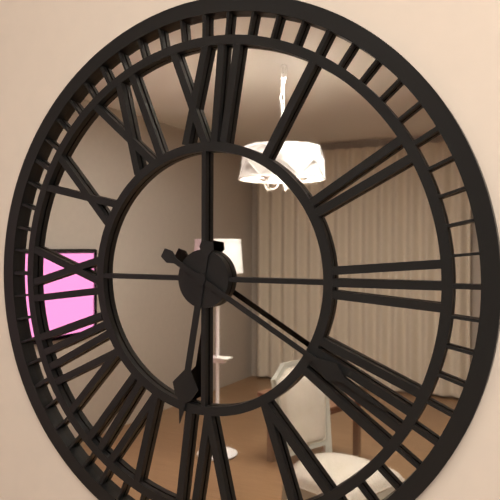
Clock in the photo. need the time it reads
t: 6:20
